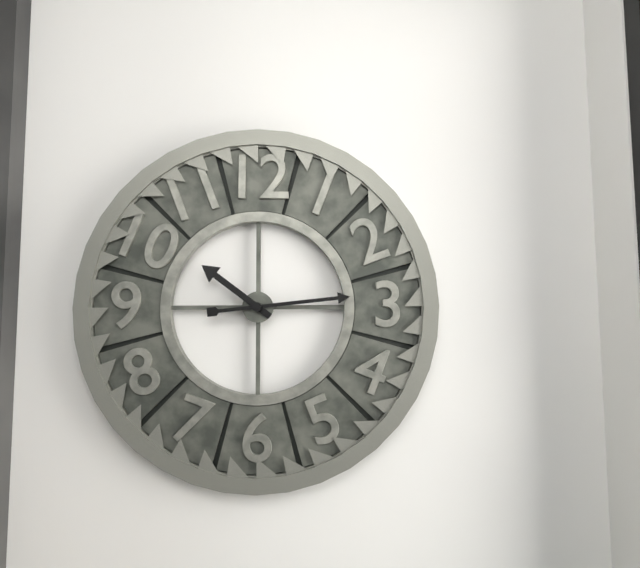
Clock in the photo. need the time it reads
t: 10:14
